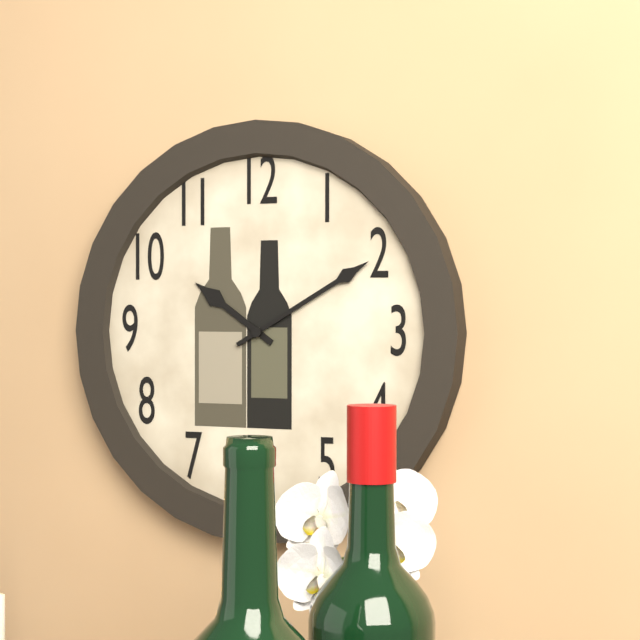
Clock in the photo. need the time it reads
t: 10:10
